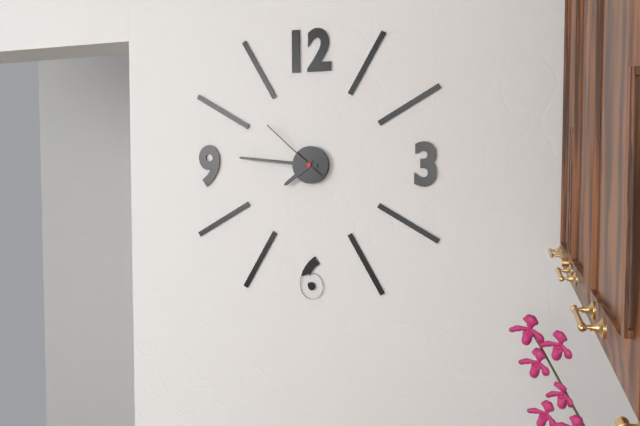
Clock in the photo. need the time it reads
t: 7:46:52
